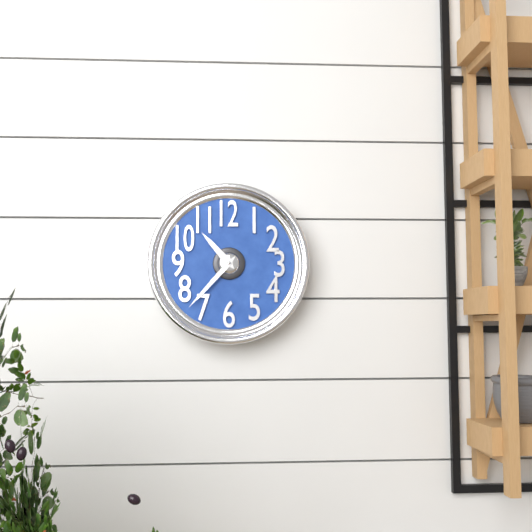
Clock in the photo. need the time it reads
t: 10:37
